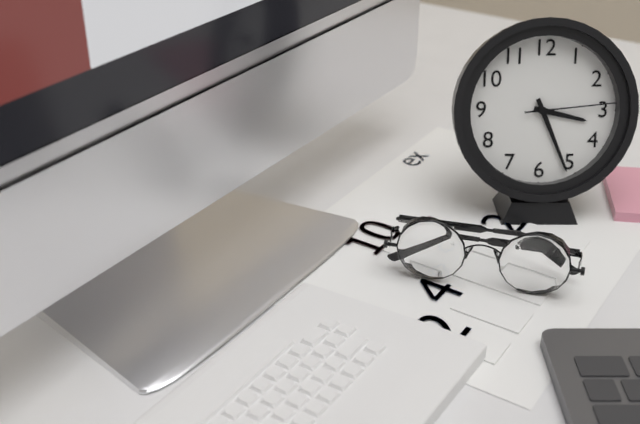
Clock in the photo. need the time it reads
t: 3:26:14
